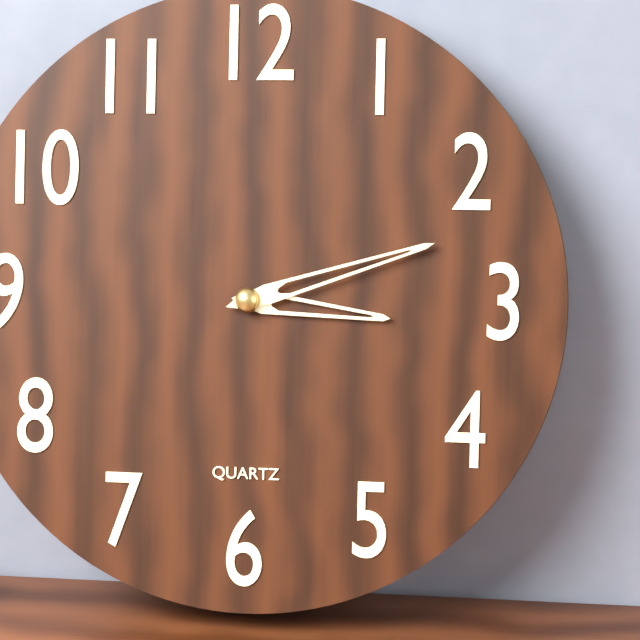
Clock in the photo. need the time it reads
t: 3:12
